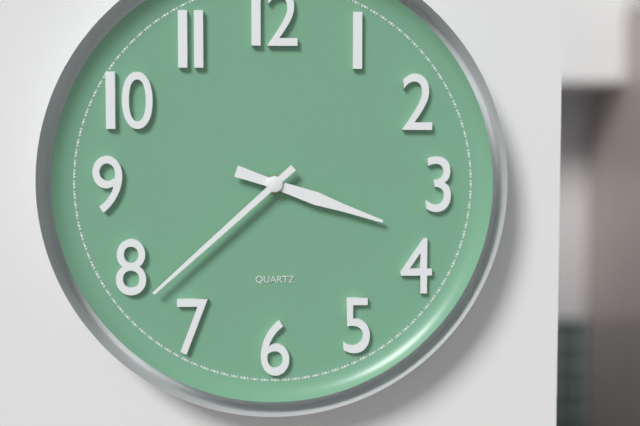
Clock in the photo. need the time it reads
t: 3:38
